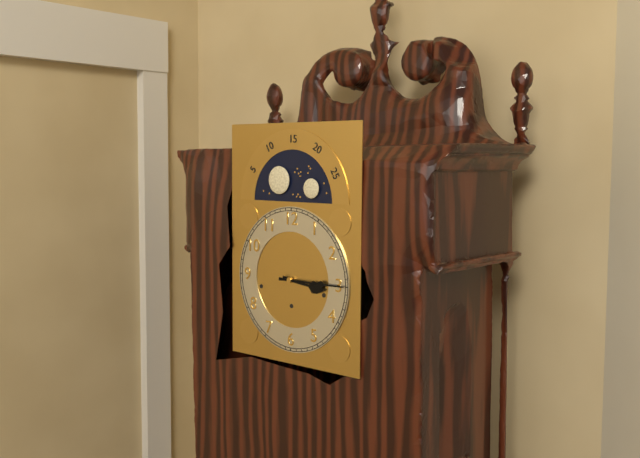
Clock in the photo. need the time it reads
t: 3:15
